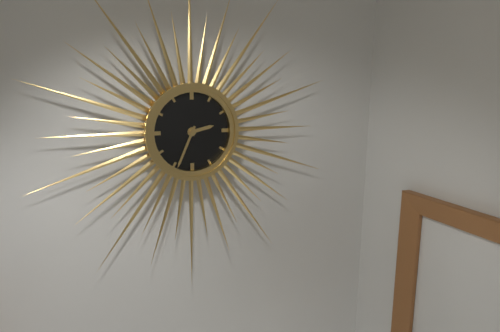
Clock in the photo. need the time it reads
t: 2:34
